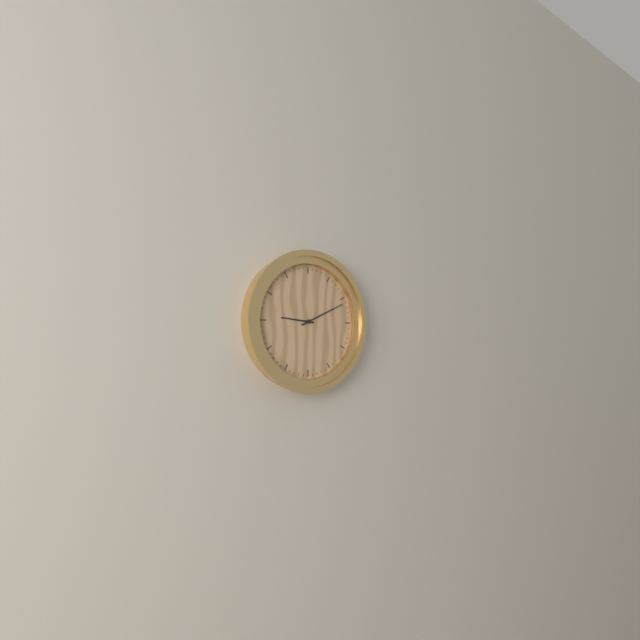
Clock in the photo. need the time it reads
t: 9:11
